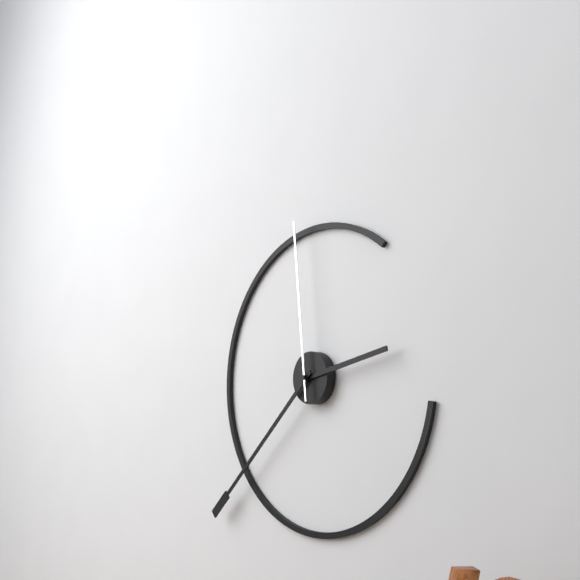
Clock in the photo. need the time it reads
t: 2:38:59
